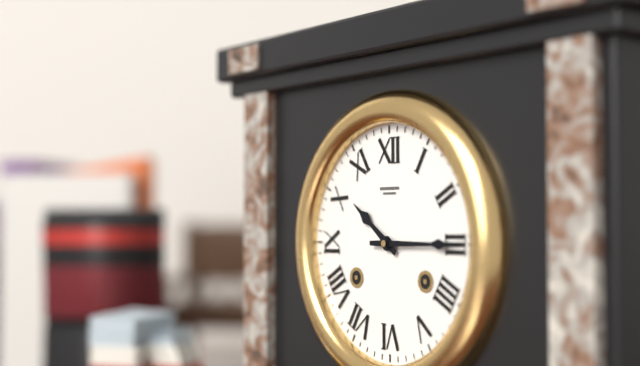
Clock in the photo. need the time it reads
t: 10:15
